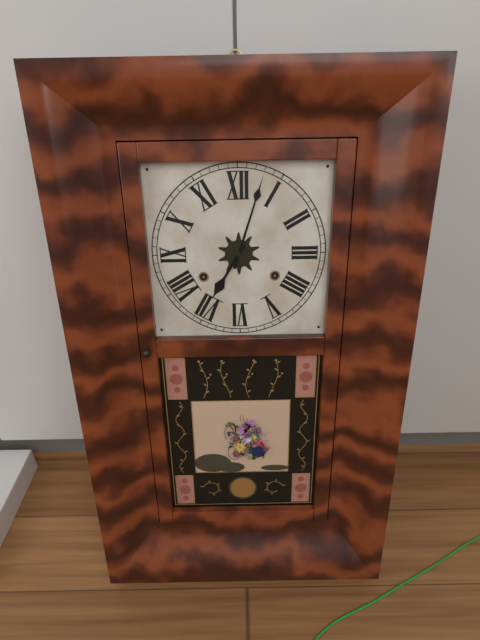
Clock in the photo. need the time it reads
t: 7:03
